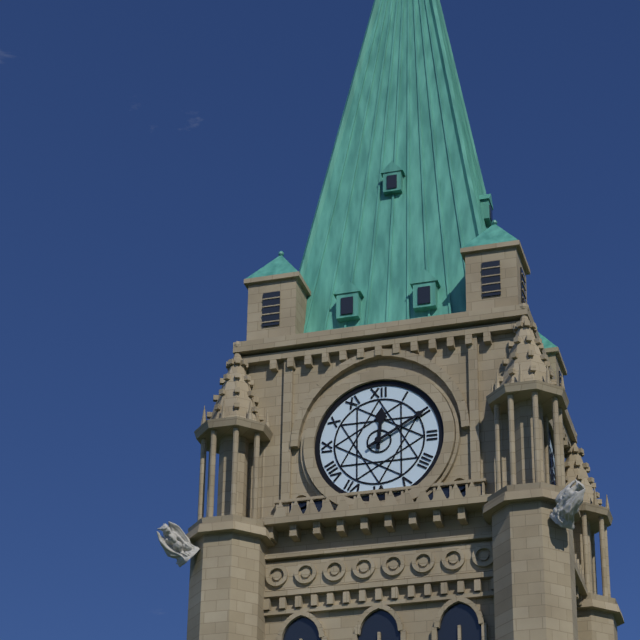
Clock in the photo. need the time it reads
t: 12:10
